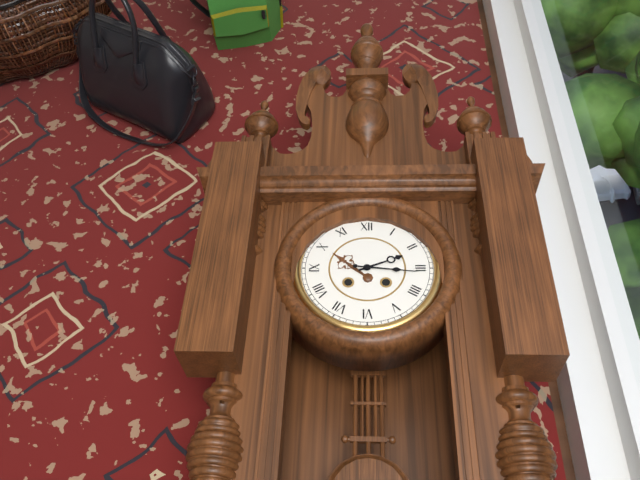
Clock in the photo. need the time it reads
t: 2:16
